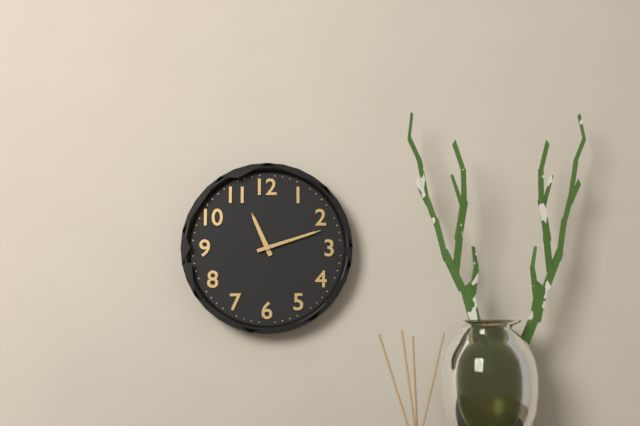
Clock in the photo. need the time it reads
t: 11:12
